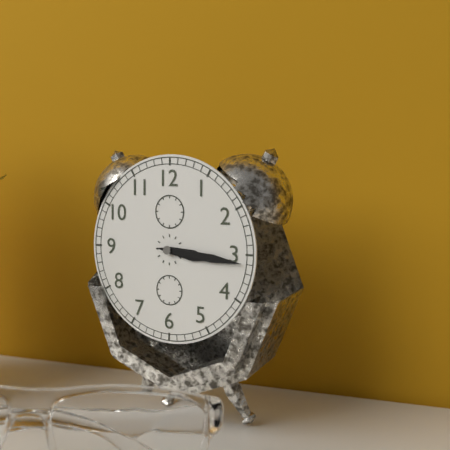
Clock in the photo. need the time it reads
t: 3:16
